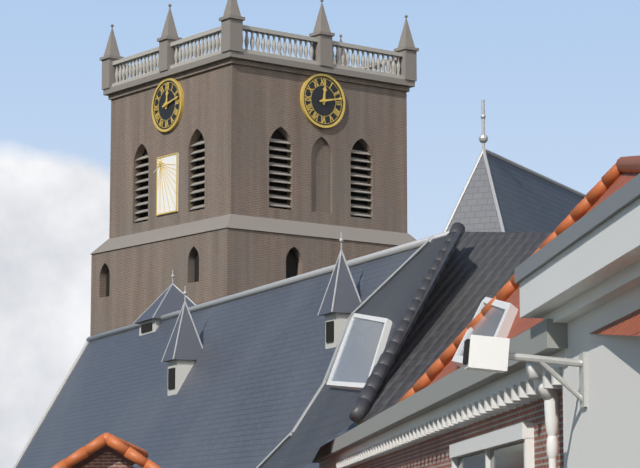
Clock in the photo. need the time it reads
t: 12:13
